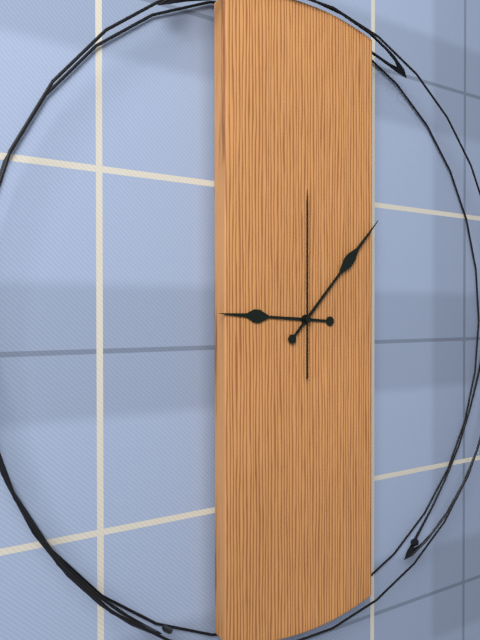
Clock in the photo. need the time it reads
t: 9:07:00
